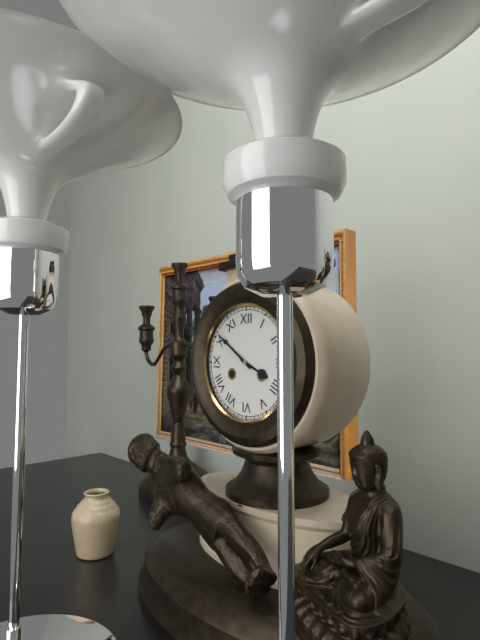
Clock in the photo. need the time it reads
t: 3:51
